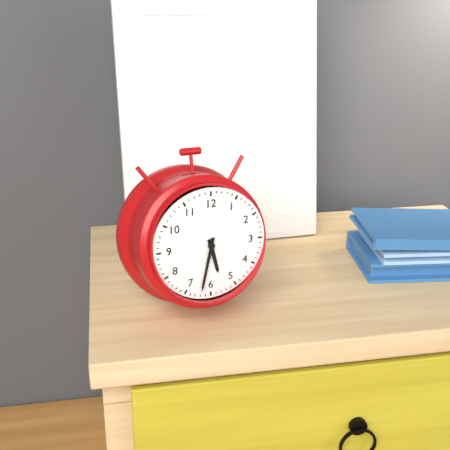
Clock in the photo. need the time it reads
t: 5:32
